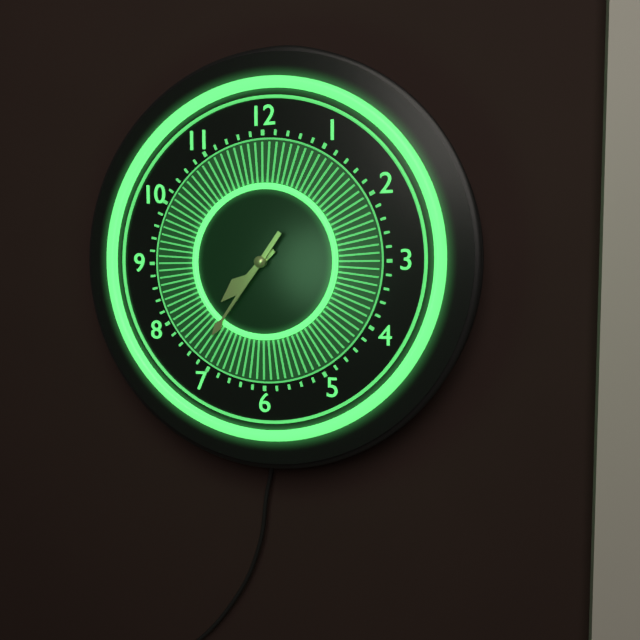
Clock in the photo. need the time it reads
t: 7:36
